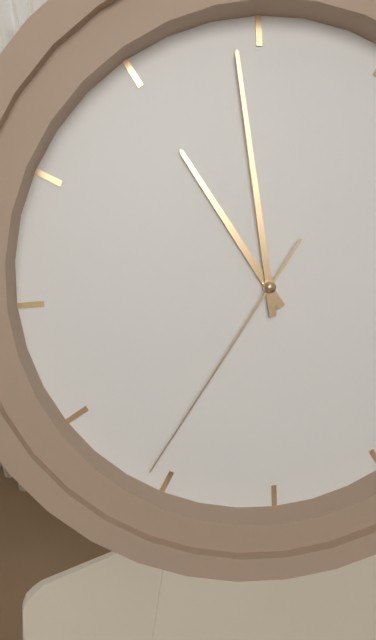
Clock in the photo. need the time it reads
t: 10:59:36
